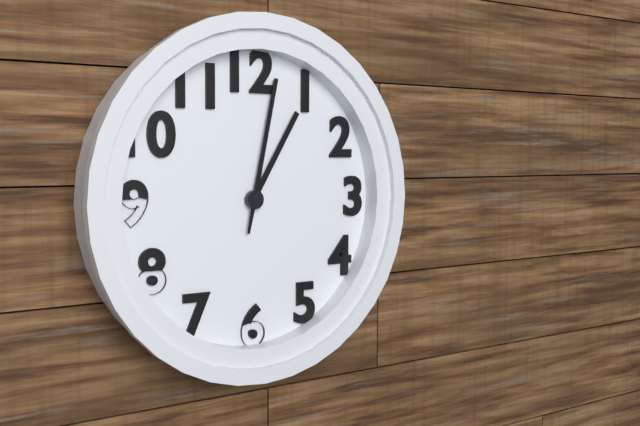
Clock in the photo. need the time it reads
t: 1:02
